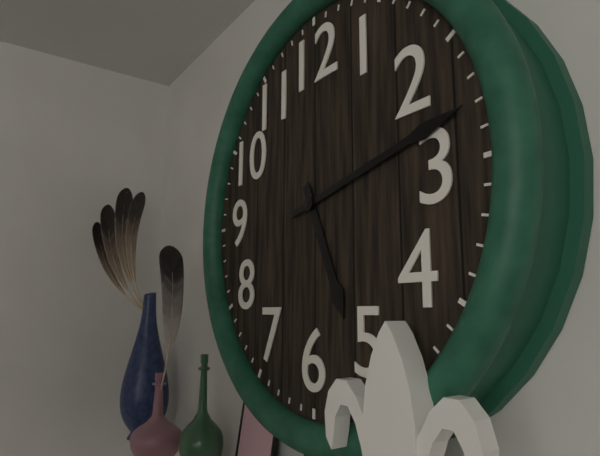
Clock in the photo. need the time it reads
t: 5:13
